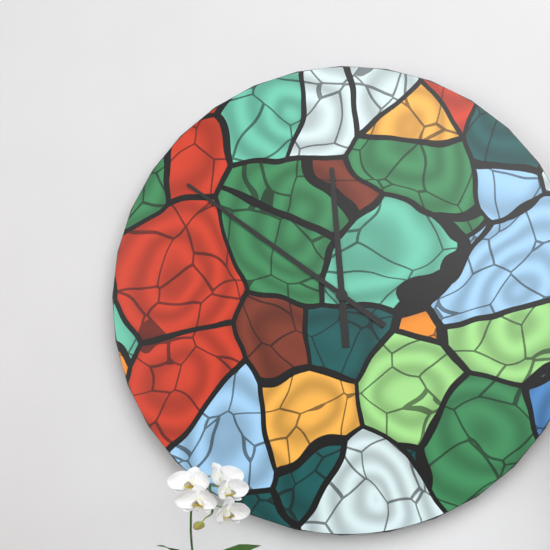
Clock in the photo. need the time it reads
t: 11:51
